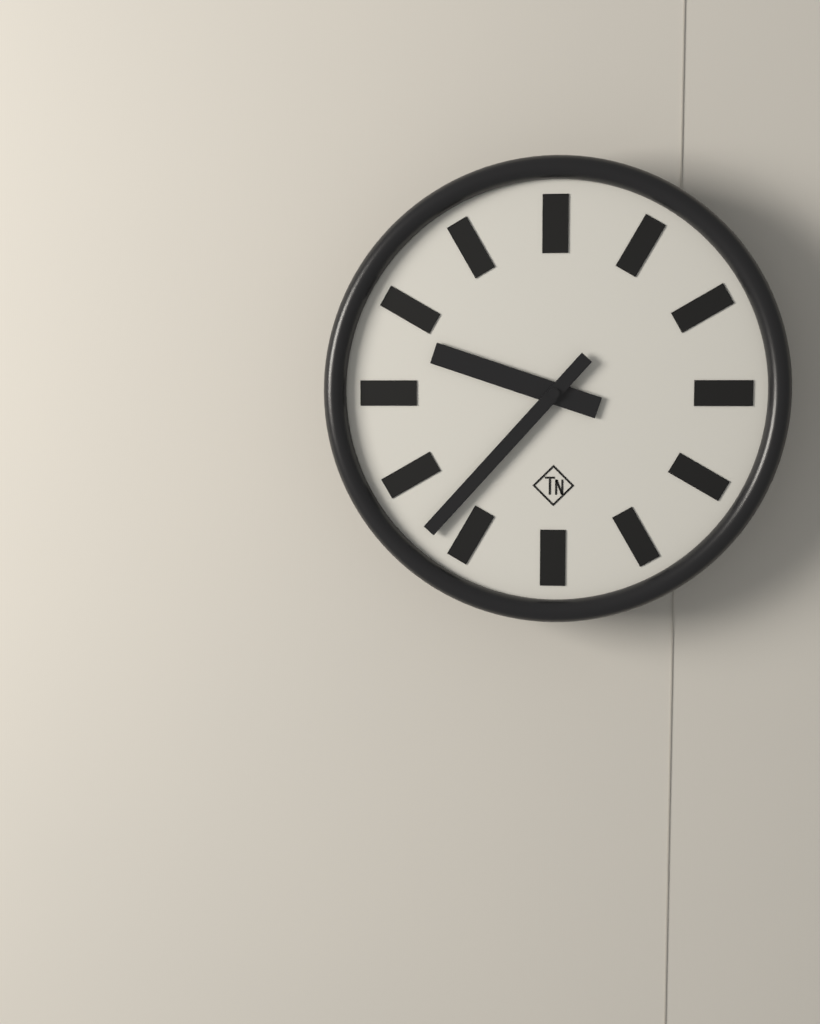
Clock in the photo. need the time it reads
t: 9:37
